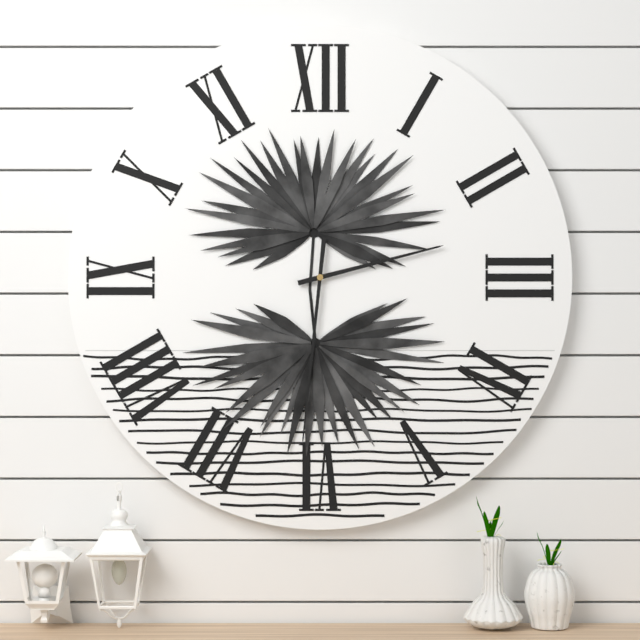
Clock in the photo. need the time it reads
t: 2:31
